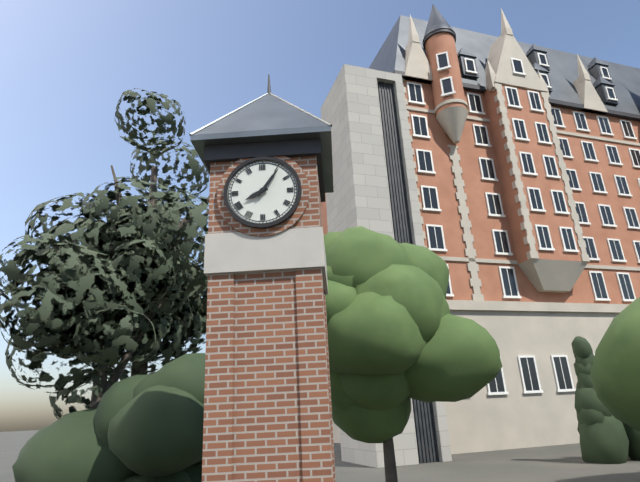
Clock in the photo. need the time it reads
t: 8:06
